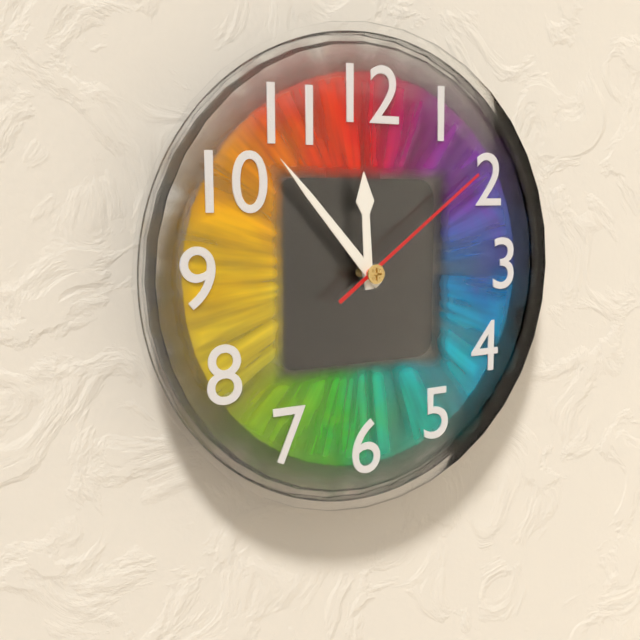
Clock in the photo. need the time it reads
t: 11:53:09
